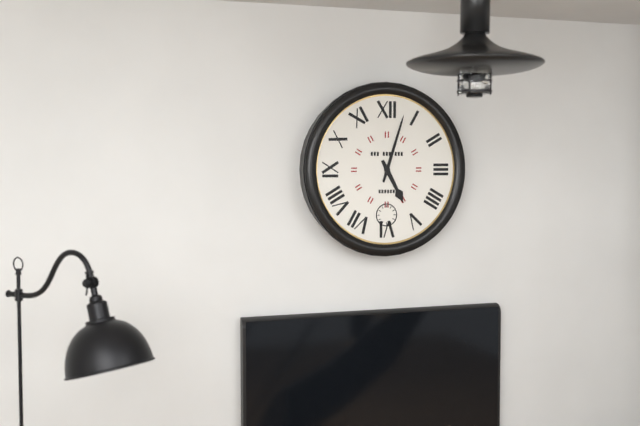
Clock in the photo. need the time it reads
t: 5:03
